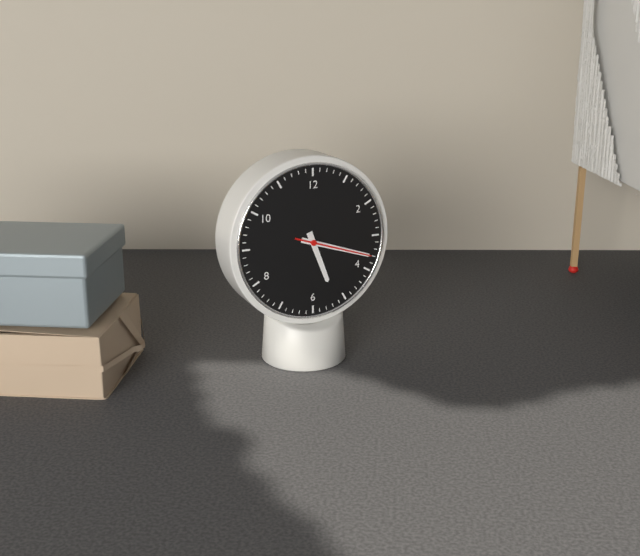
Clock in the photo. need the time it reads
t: 5:18:18
